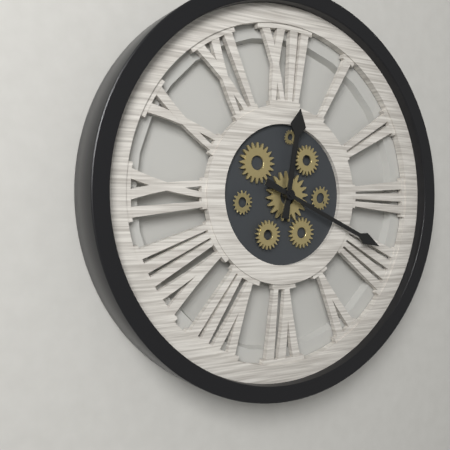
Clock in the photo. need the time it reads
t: 12:19
